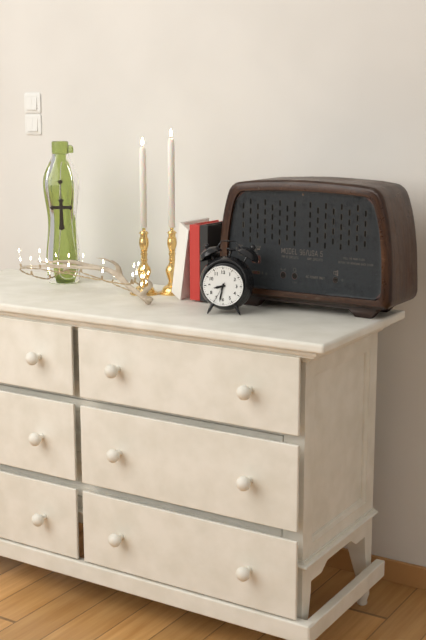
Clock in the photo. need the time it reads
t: 8:32
